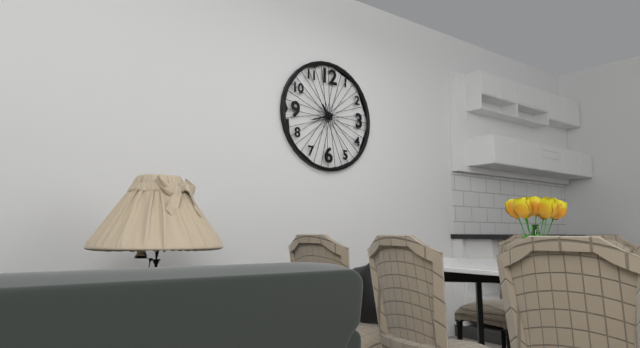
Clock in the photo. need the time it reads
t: 10:42
